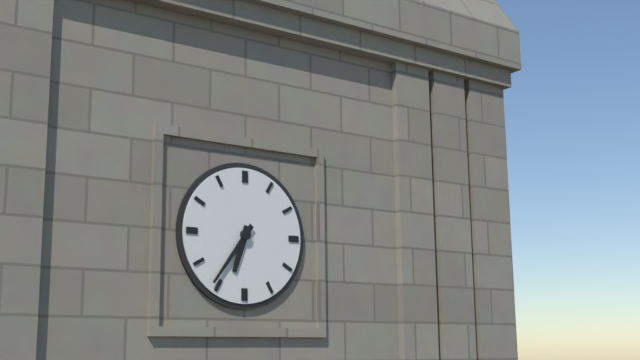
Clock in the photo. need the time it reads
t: 6:36
